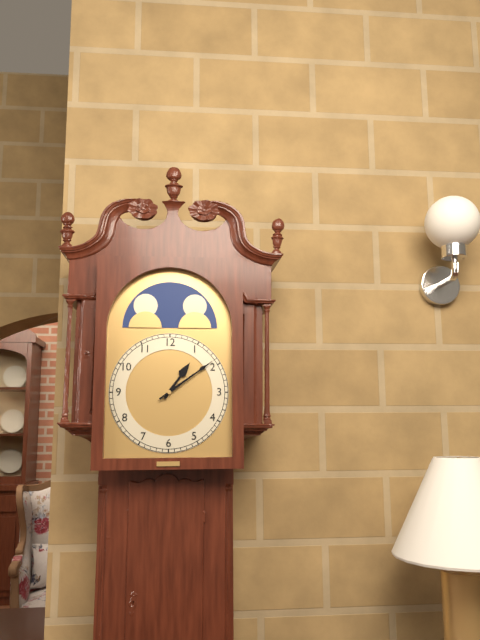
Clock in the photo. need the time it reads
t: 1:09
